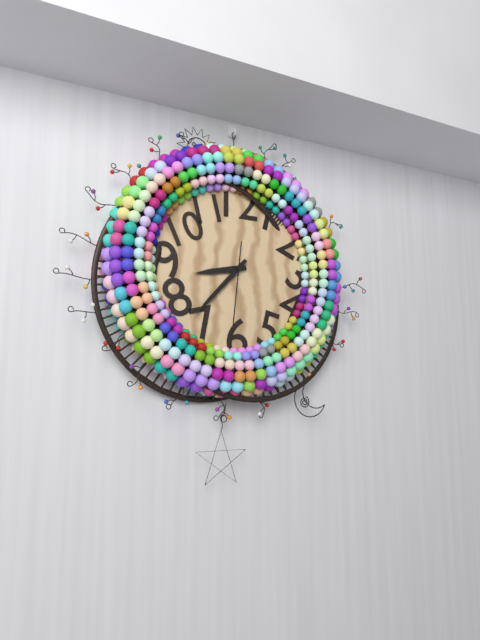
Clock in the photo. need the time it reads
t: 8:37:31
